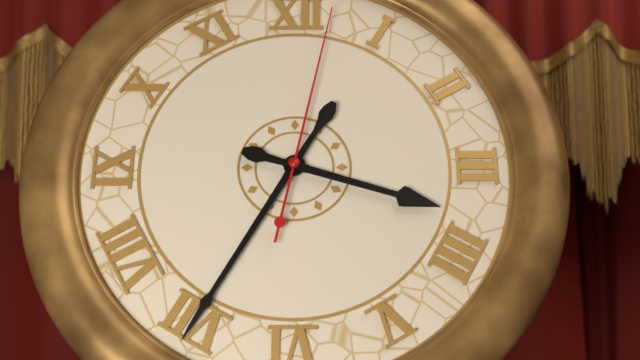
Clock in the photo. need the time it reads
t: 3:35:02
